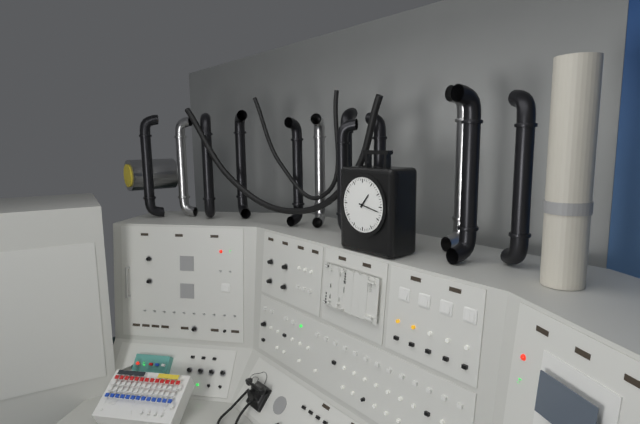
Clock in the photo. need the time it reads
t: 1:17
